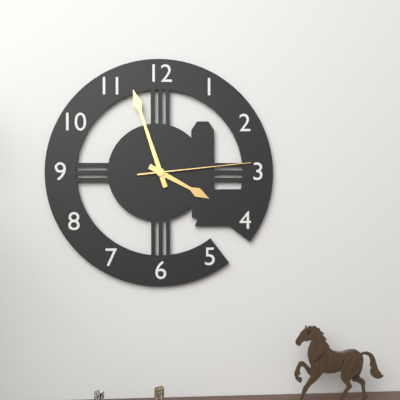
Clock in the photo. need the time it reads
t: 3:57:14
